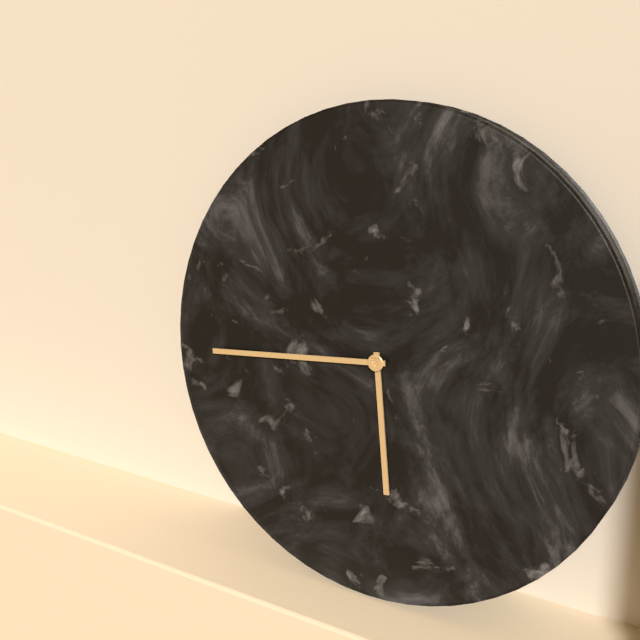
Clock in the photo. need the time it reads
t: 5:44
